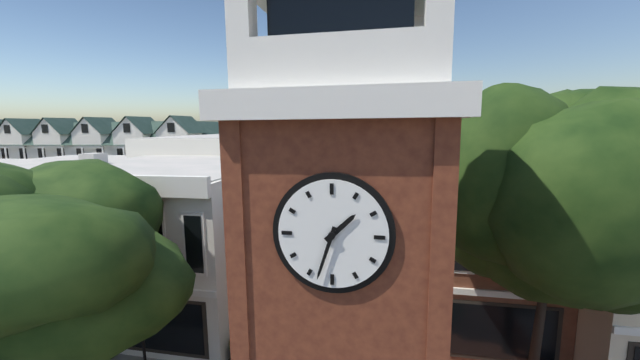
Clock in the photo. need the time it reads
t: 1:33
